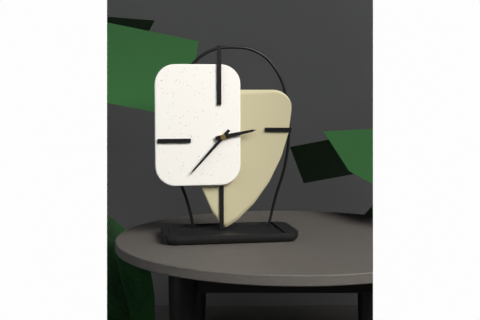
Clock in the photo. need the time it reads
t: 2:37
